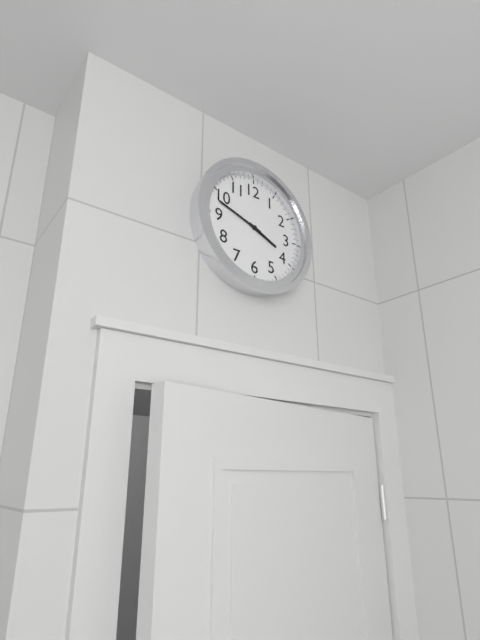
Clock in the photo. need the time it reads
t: 3:48
